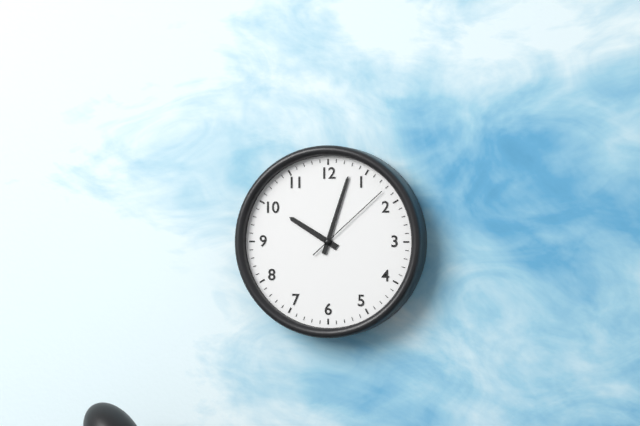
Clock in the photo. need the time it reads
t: 10:03:08
